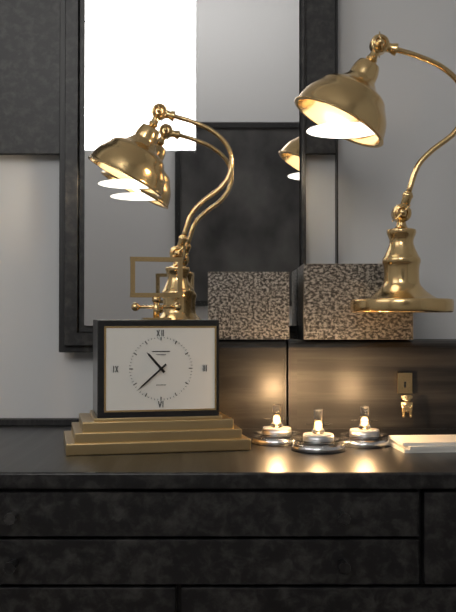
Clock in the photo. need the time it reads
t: 10:38
